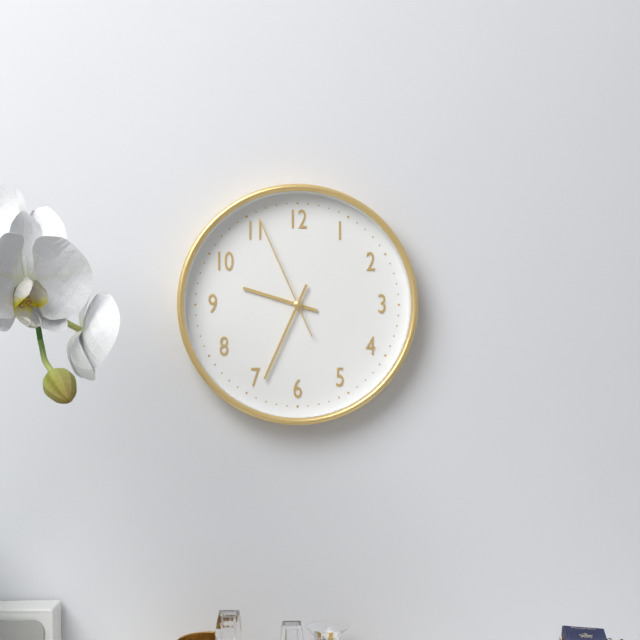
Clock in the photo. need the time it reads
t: 9:34:56
